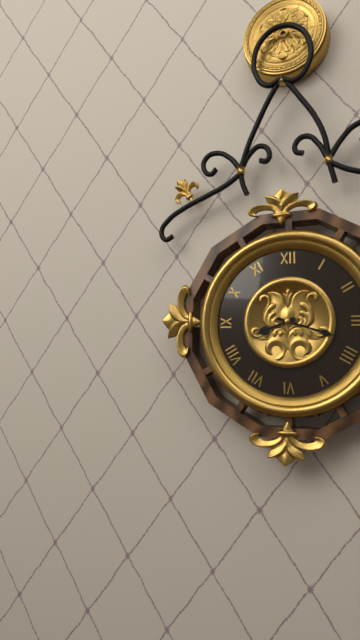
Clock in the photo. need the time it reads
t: 8:18
